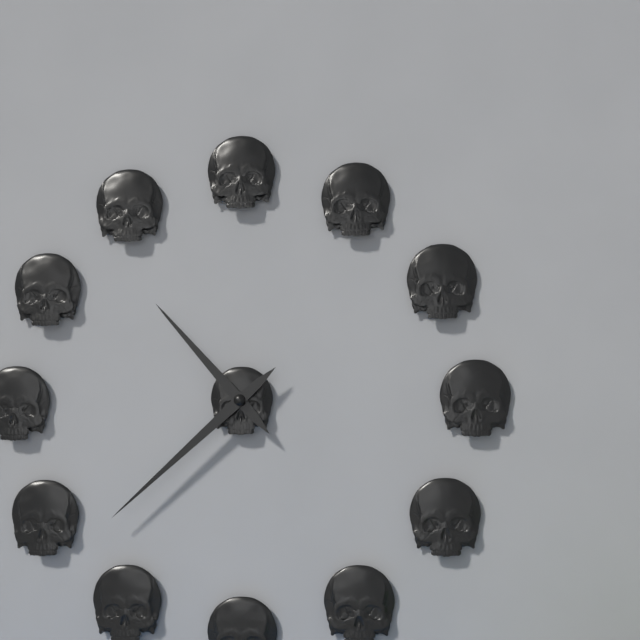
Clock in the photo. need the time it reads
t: 10:38
